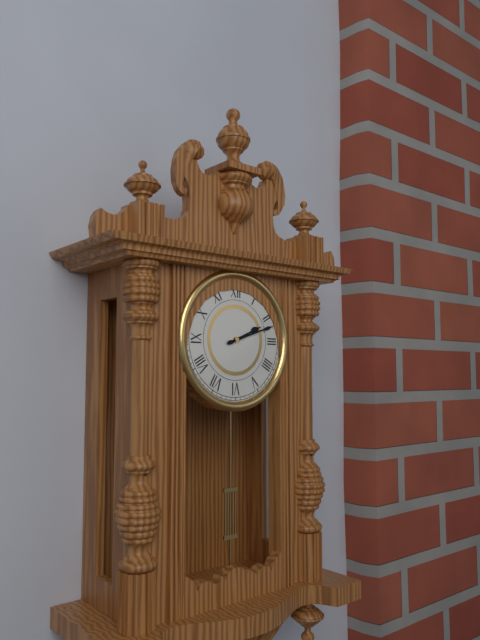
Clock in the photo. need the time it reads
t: 2:12
